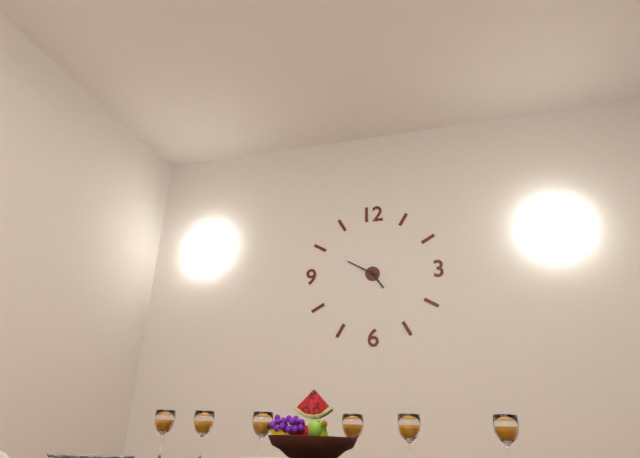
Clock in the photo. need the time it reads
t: 4:50
